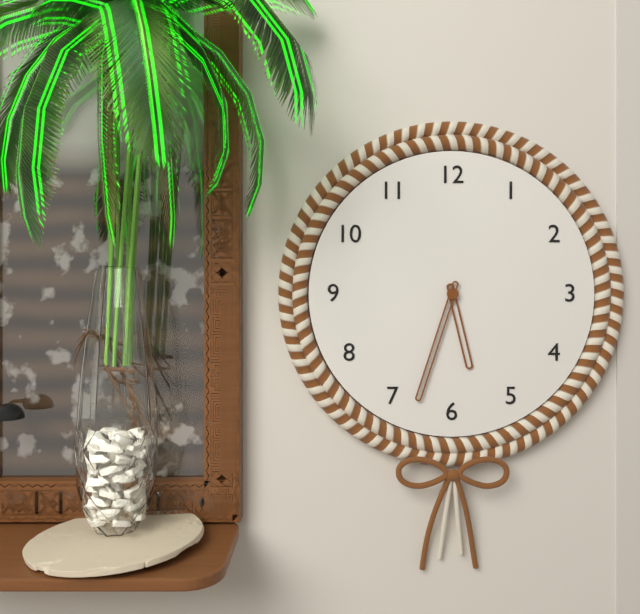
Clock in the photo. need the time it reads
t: 5:33
